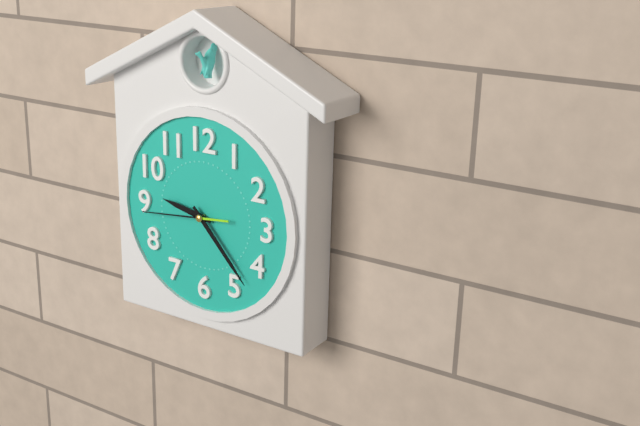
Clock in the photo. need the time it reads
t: 9:23:44
